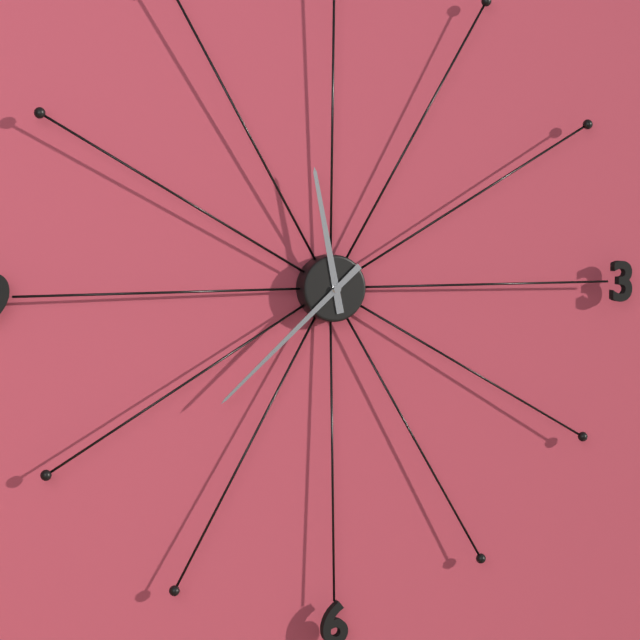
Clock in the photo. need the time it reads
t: 11:38
